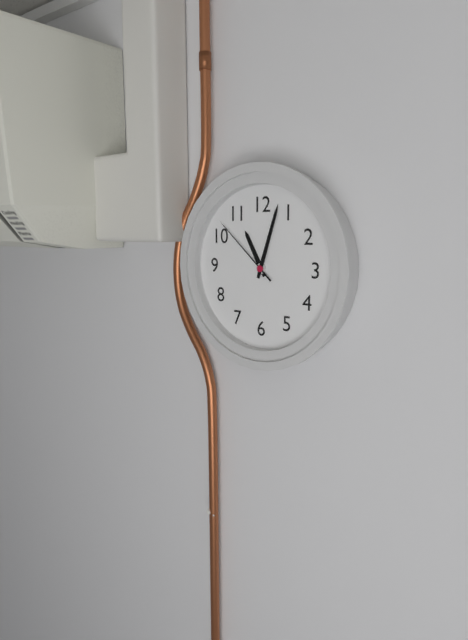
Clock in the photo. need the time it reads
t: 11:03:52
